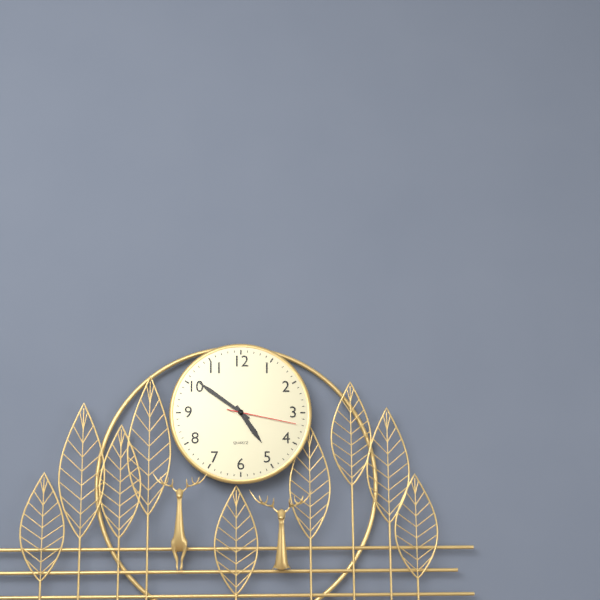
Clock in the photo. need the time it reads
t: 4:51:17
